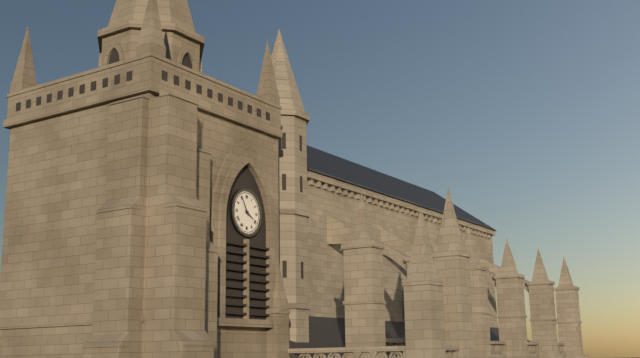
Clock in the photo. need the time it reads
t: 3:55
